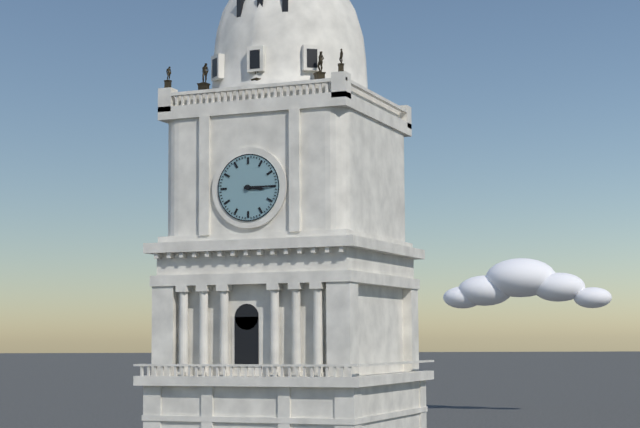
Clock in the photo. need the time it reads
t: 3:15
